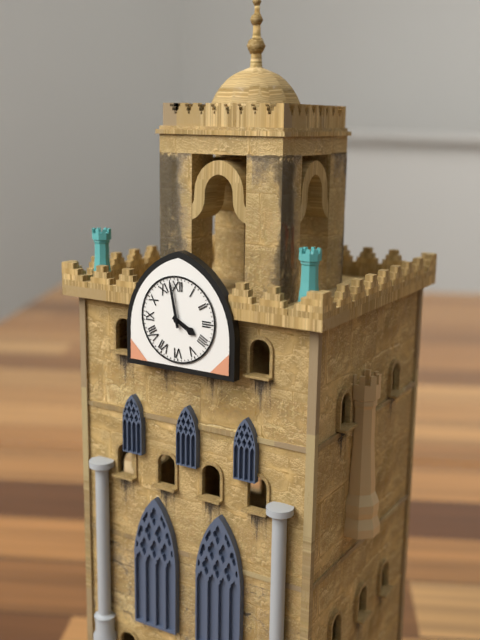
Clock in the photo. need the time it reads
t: 3:58
